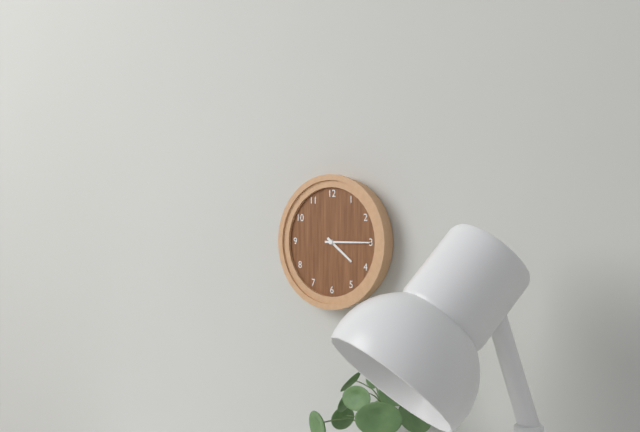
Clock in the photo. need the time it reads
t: 4:15
